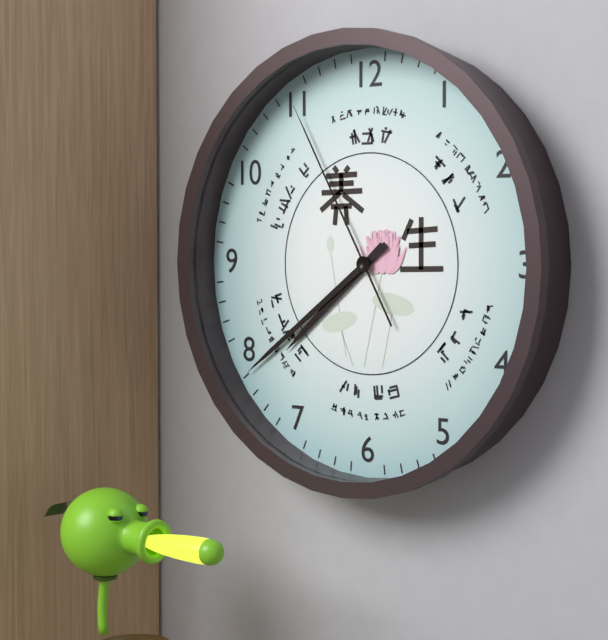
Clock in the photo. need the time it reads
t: 7:39:55
